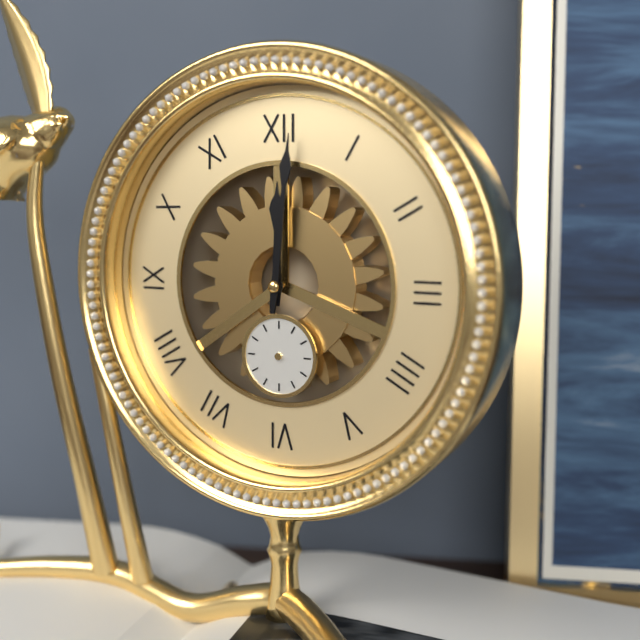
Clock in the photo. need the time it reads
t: 12:01
